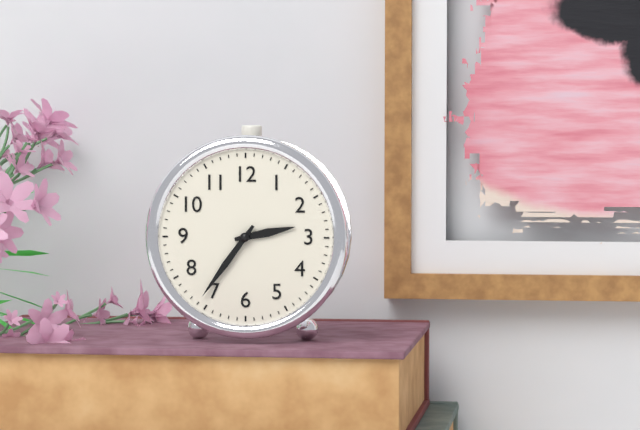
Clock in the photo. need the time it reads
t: 2:36
